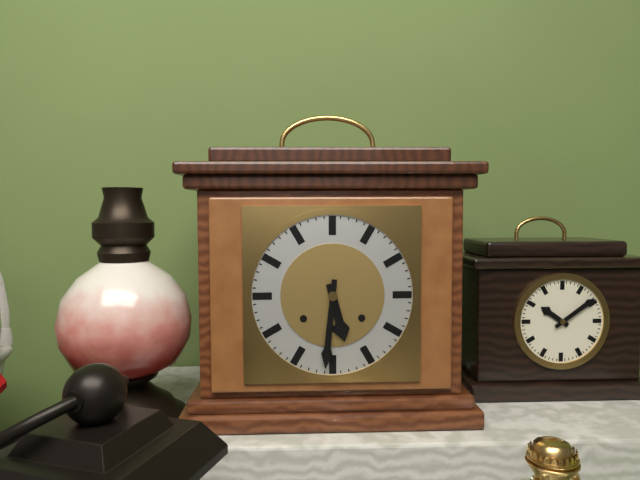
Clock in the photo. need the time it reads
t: 5:31
